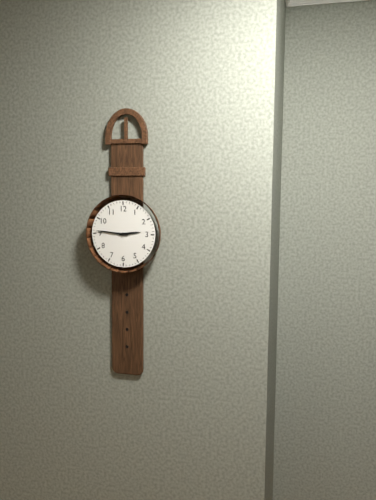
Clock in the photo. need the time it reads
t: 2:46
